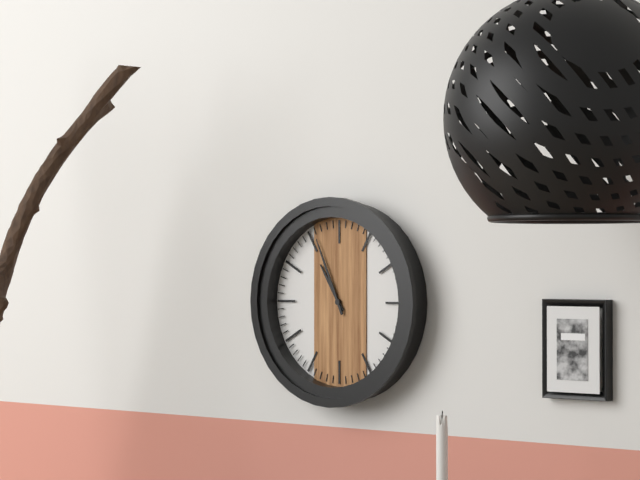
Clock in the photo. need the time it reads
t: 10:56
